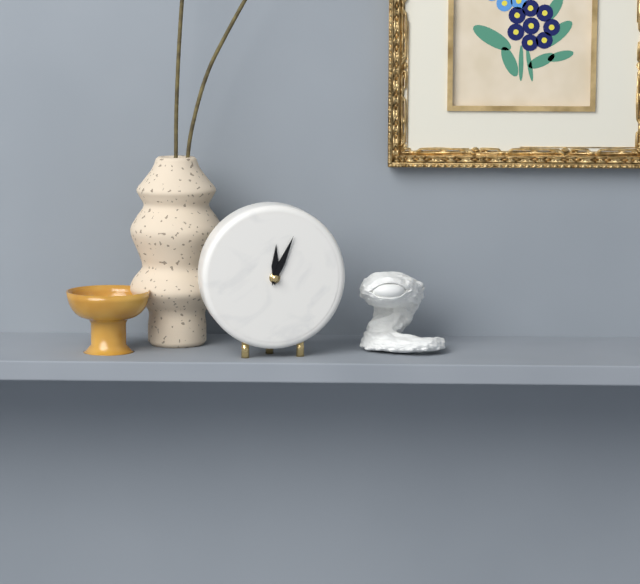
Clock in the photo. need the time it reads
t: 12:04
